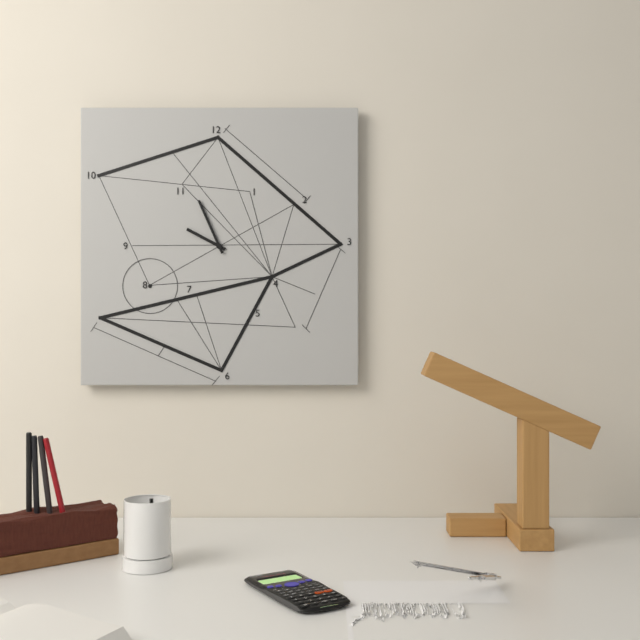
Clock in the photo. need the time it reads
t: 9:56
